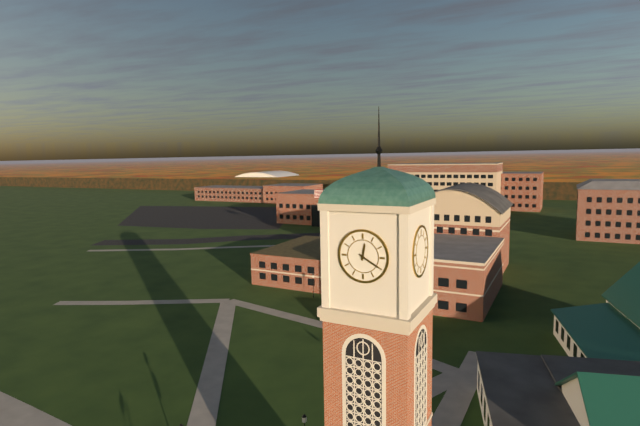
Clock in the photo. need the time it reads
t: 12:20
